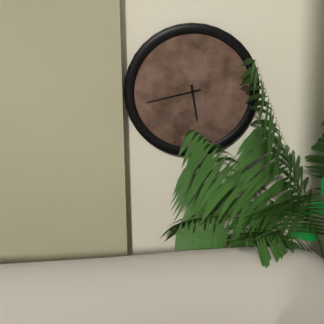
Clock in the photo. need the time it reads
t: 5:43
